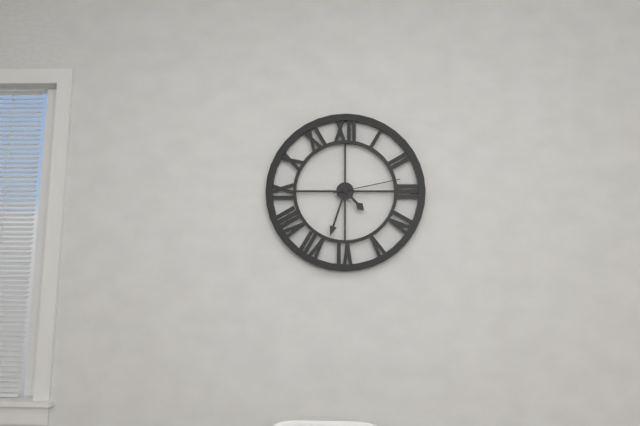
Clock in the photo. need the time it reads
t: 4:33:13
